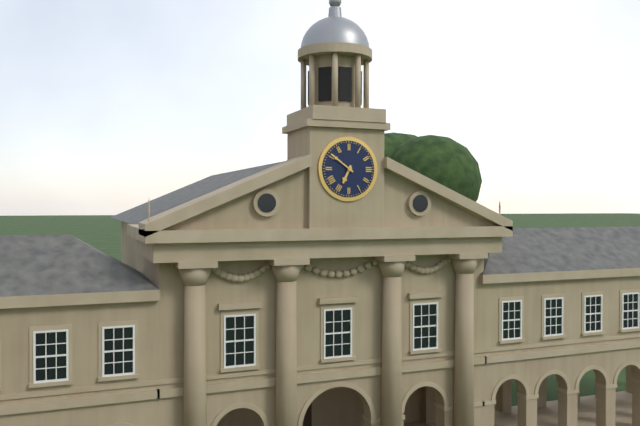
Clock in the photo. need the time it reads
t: 6:51
